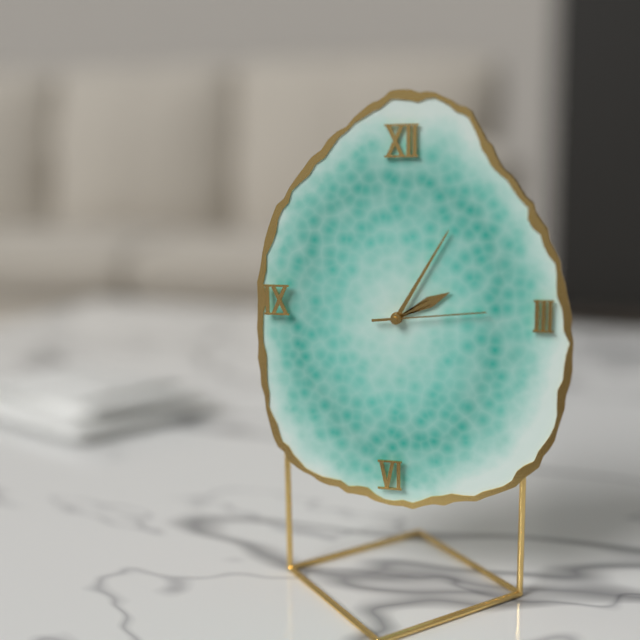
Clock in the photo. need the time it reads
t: 2:05:14
